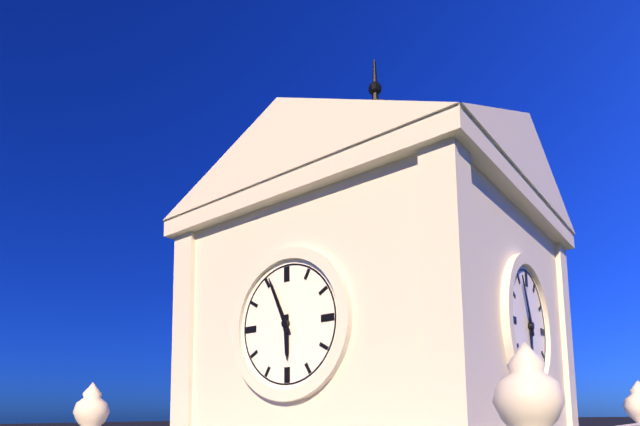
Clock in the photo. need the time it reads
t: 5:56
